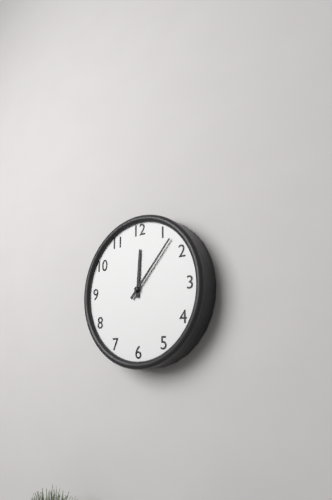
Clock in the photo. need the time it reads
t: 12:07
